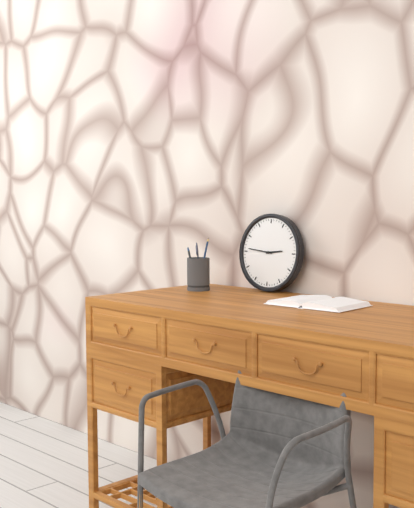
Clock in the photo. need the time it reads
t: 2:46
